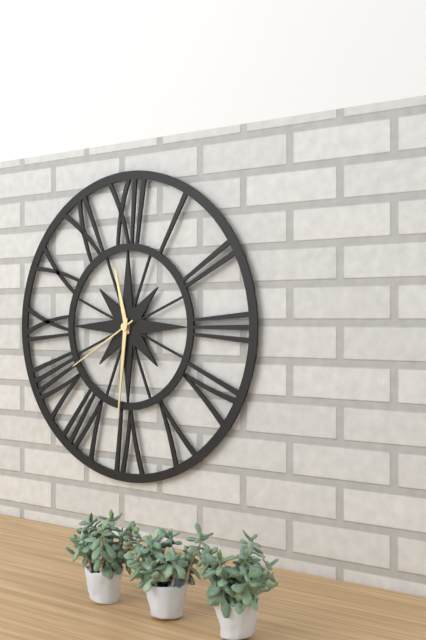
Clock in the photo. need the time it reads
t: 11:31:40
